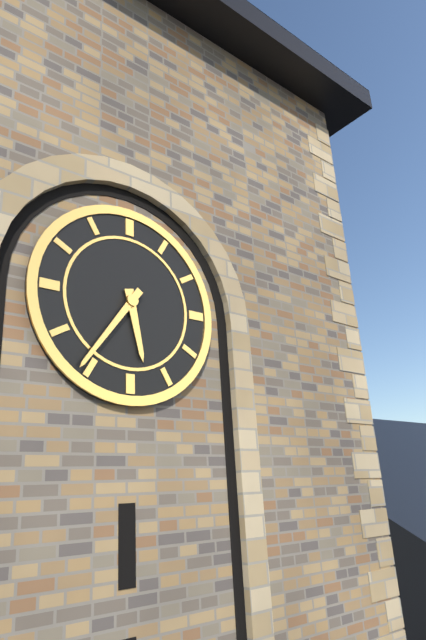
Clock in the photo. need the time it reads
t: 5:36
